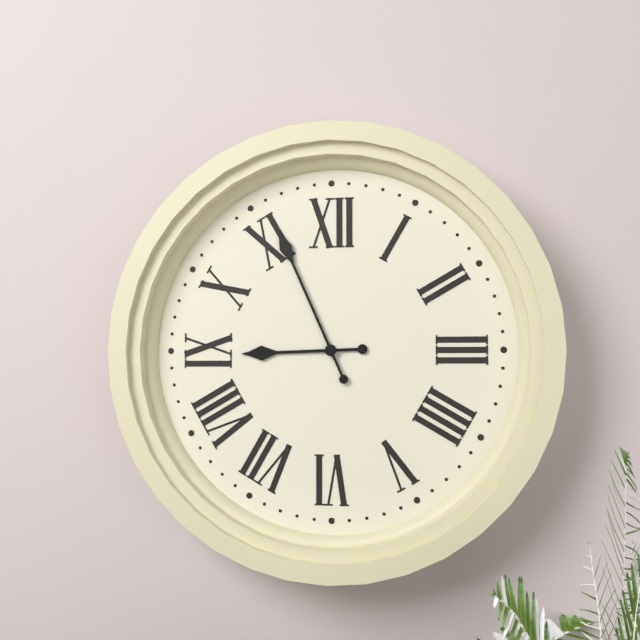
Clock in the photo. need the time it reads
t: 8:56
